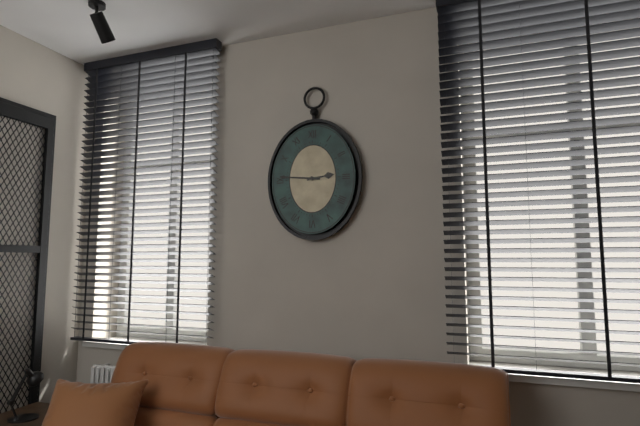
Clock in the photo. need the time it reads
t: 2:46
